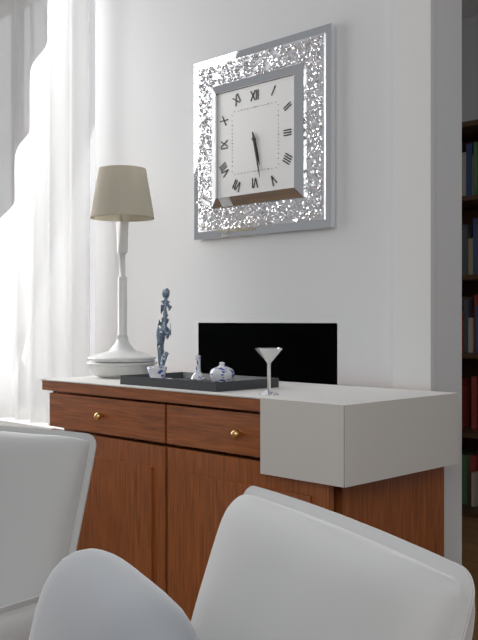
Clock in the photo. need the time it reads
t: 5:28
